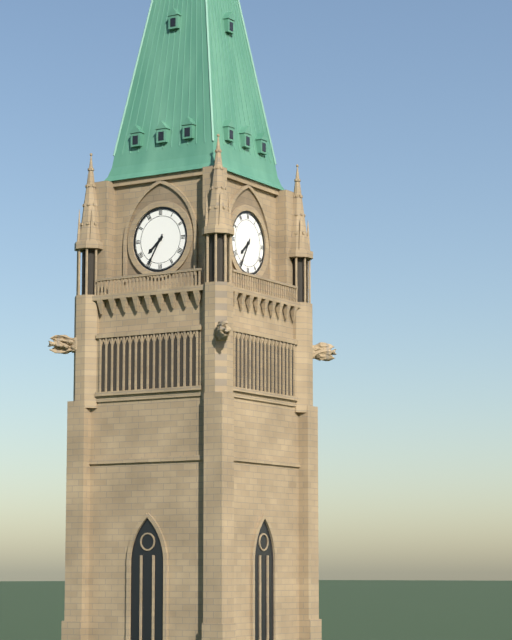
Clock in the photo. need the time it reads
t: 7:35
